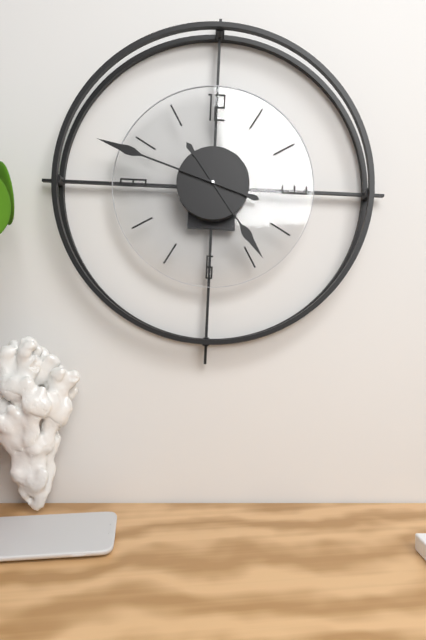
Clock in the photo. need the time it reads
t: 4:48
